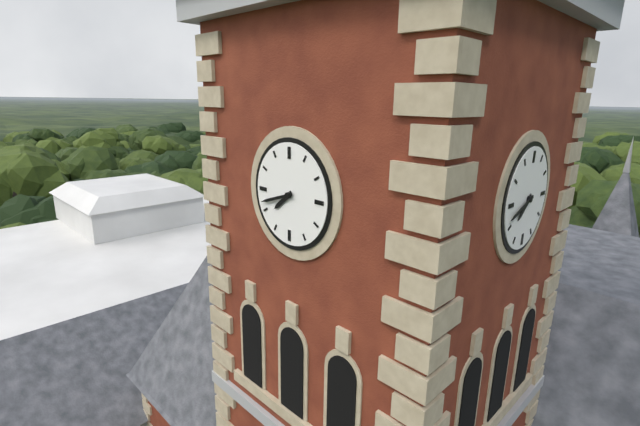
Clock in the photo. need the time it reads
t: 7:42
